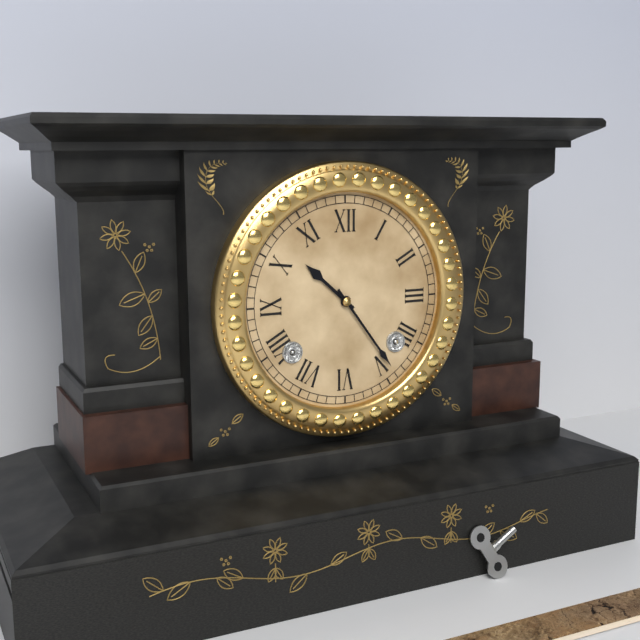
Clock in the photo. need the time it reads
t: 10:24
